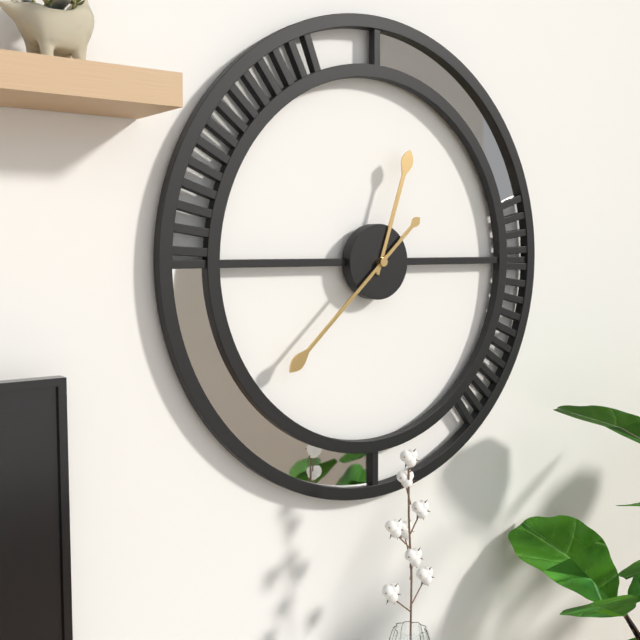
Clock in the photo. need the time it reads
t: 12:38
